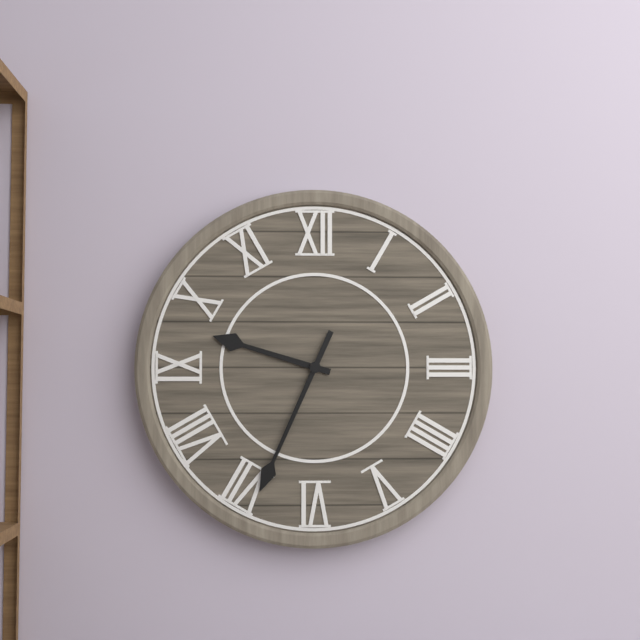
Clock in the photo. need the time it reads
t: 9:34
